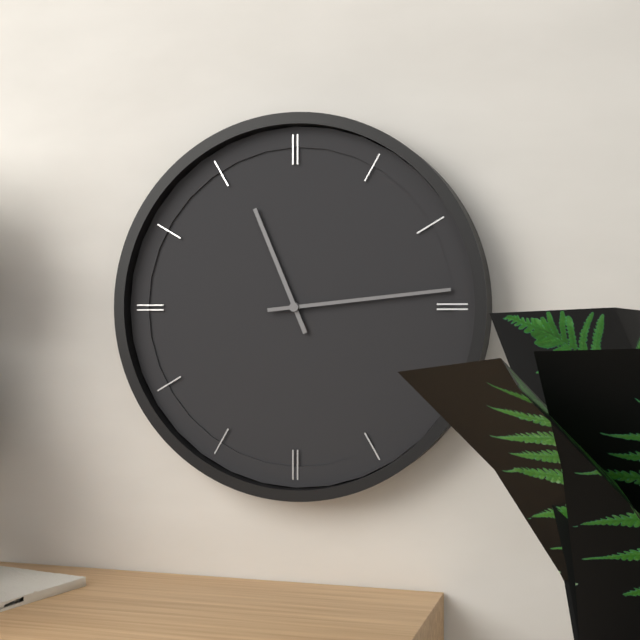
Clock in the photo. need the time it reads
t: 11:14
